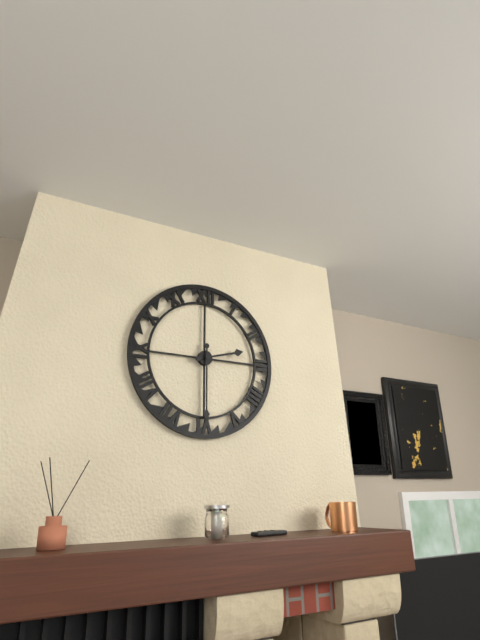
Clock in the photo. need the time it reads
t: 2:30
